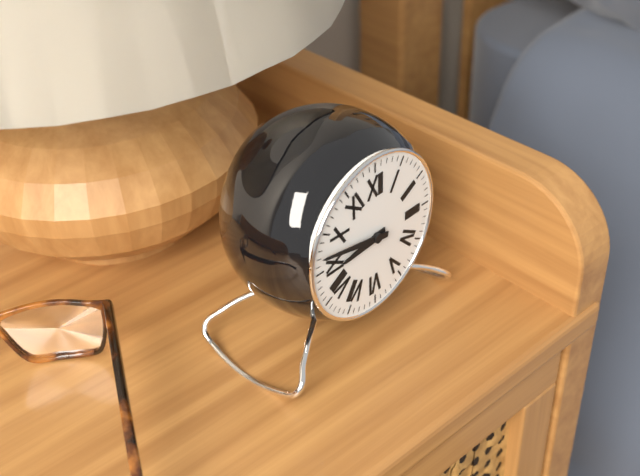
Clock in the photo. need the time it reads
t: 8:47
